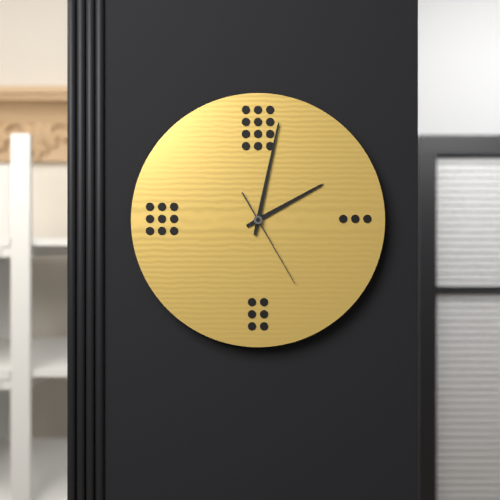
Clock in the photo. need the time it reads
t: 2:02:25
